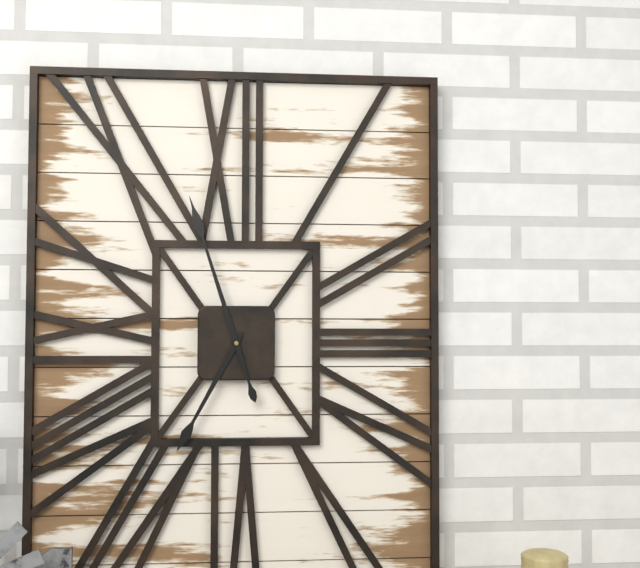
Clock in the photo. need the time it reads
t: 6:57
